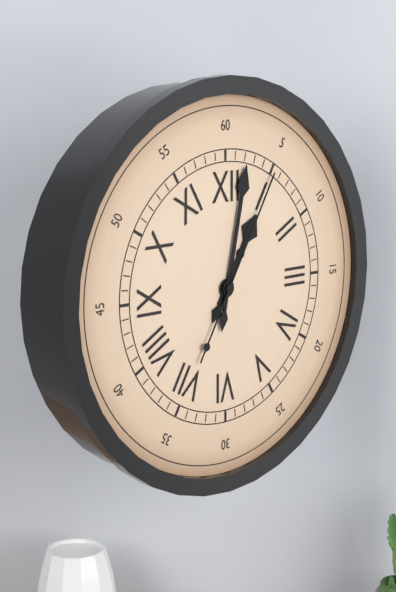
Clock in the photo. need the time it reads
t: 1:02:05
